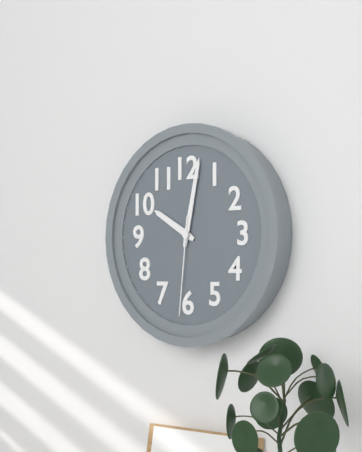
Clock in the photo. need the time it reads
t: 10:02:31
